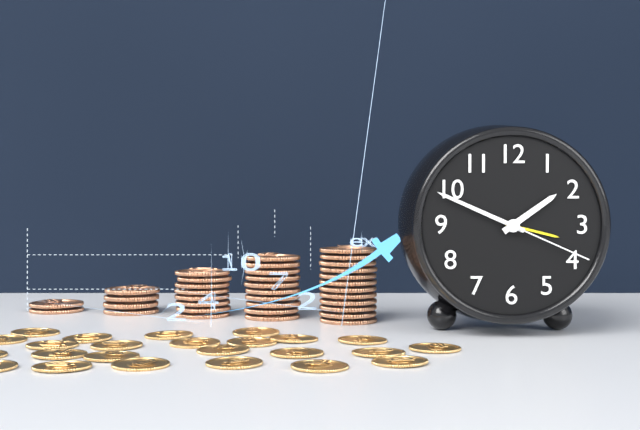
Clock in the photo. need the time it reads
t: 1:49:19
